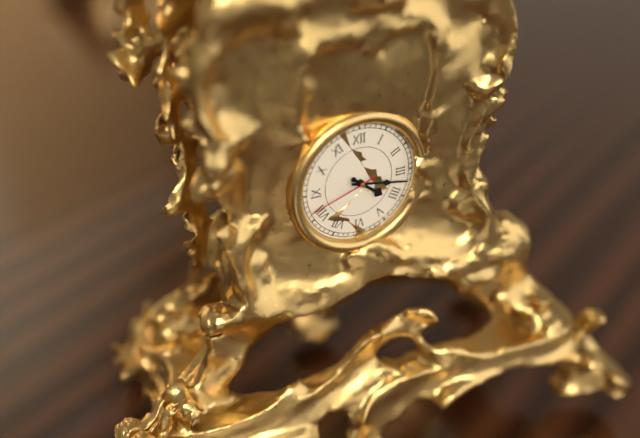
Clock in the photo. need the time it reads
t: 4:17:42
